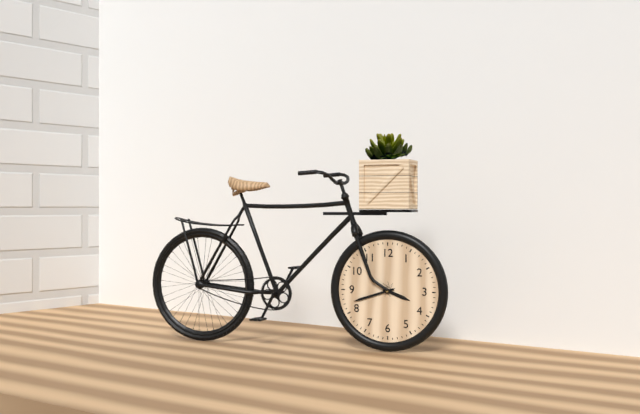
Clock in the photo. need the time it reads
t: 3:42
